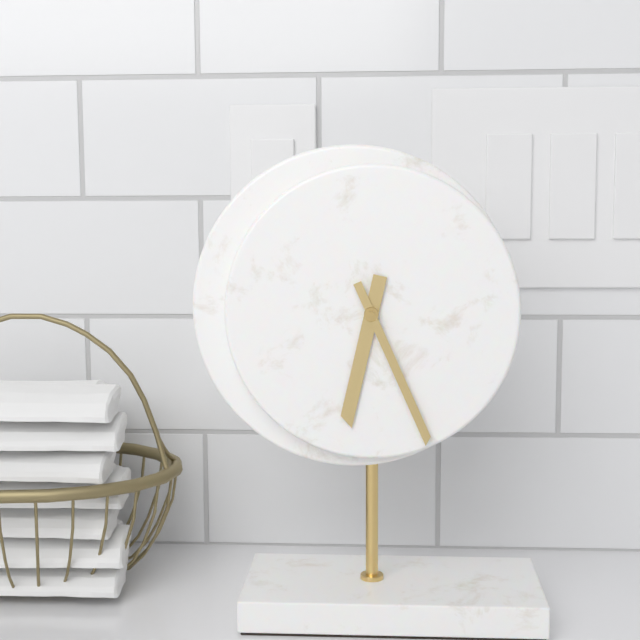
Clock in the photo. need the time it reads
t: 6:26
